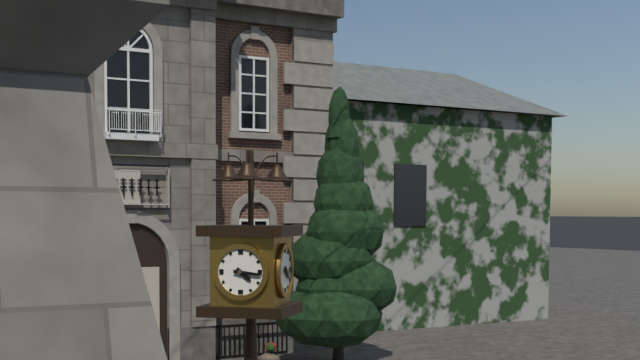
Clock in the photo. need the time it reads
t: 4:16
